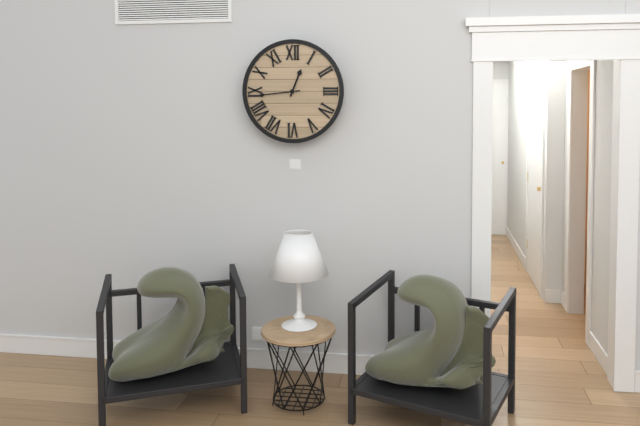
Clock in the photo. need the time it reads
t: 12:44
